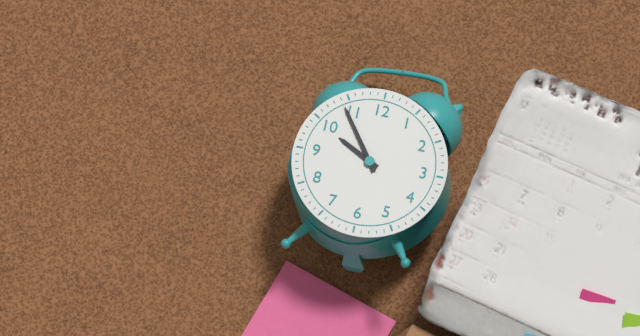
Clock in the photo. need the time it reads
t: 9:54
